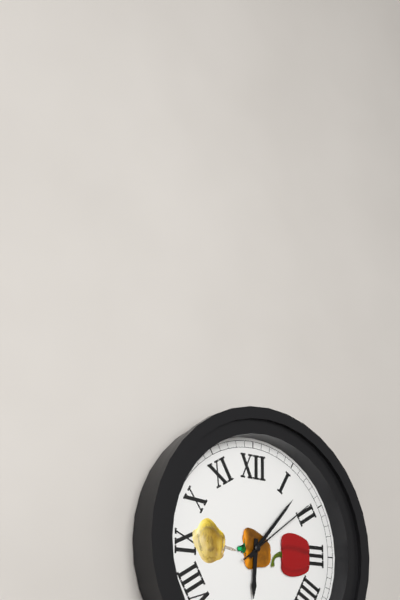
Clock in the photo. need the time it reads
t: 6:07:09
